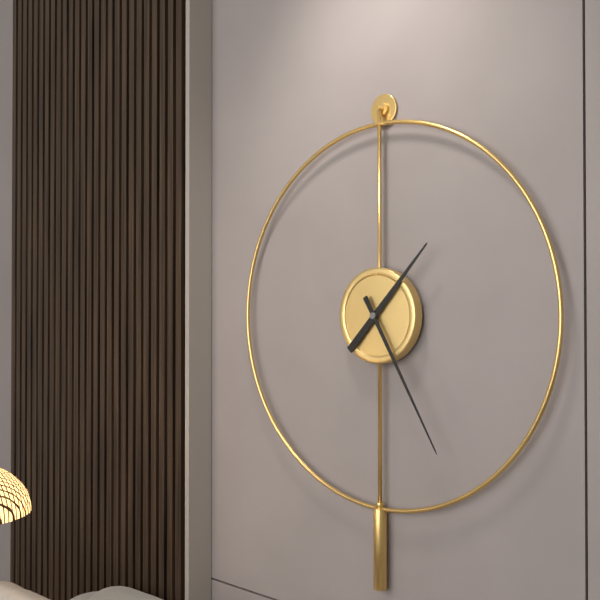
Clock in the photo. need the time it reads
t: 1:25
